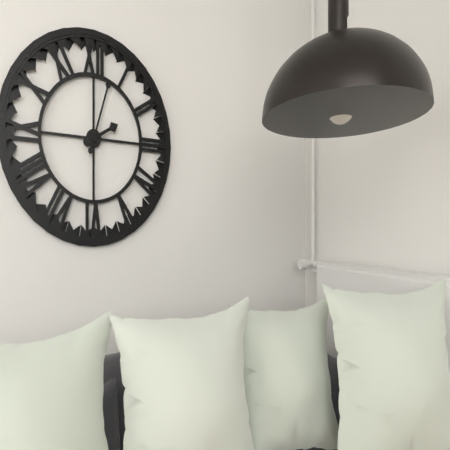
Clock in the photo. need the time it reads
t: 2:03
